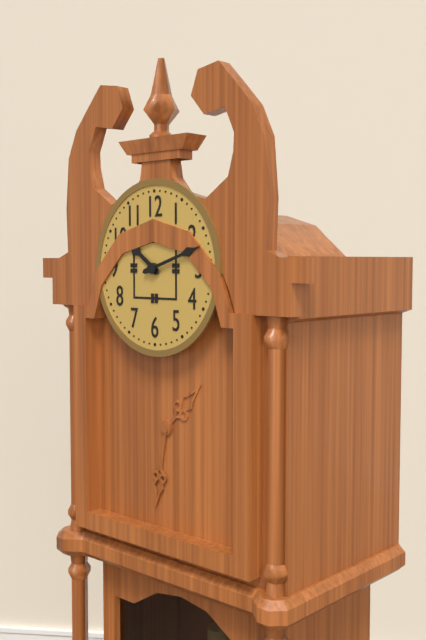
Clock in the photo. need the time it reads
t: 10:12
